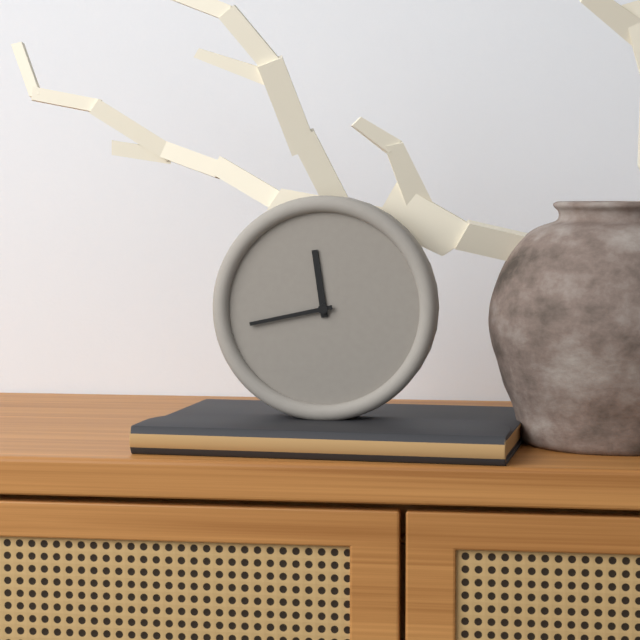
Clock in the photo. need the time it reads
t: 11:43
